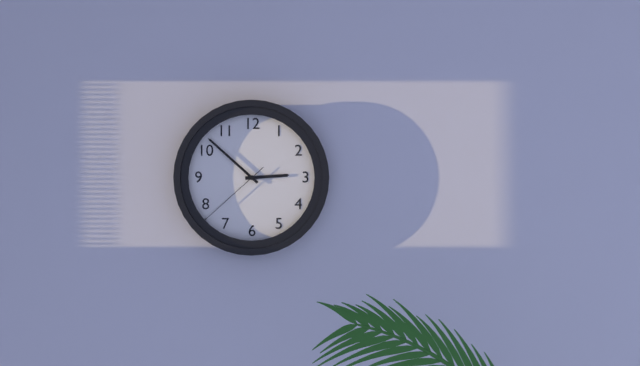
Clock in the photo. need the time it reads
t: 2:52:38
